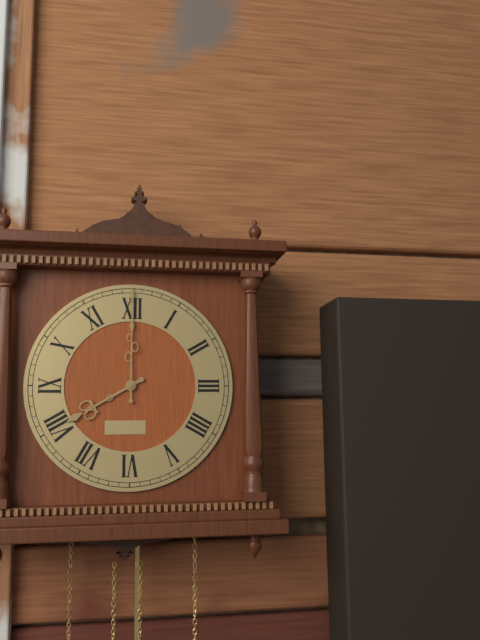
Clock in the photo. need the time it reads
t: 8:00
